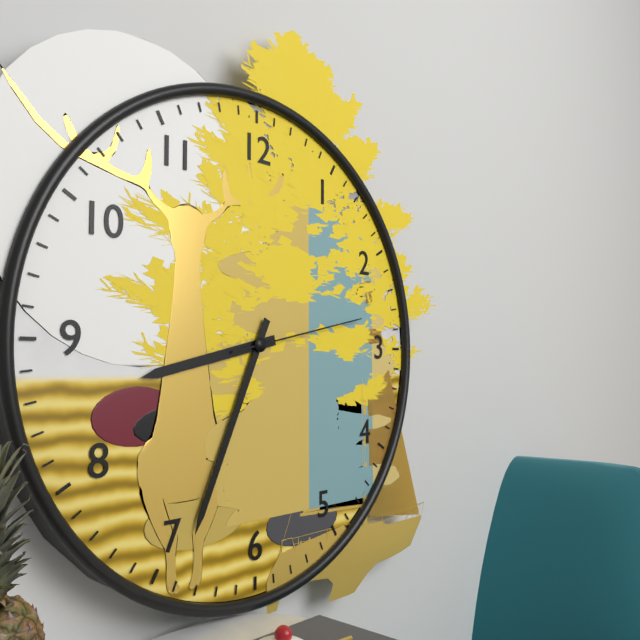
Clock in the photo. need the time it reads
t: 8:34:13
